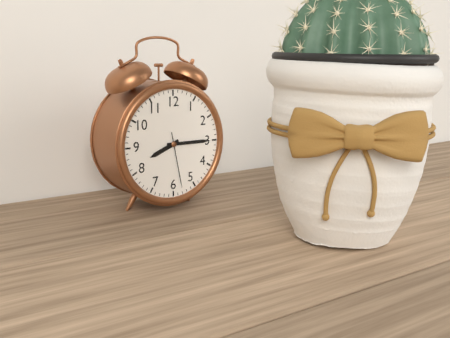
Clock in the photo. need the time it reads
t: 8:15:28
